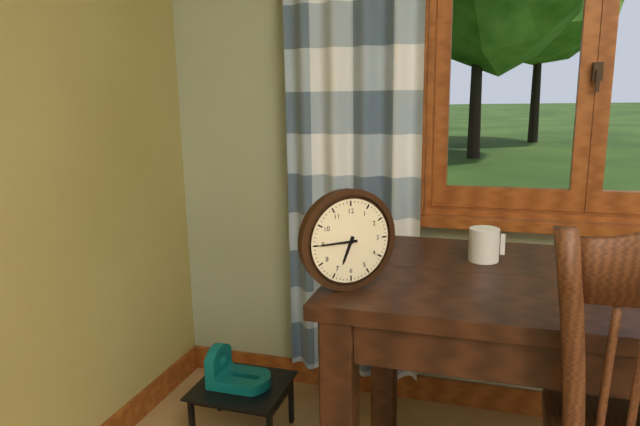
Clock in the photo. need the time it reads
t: 6:45
